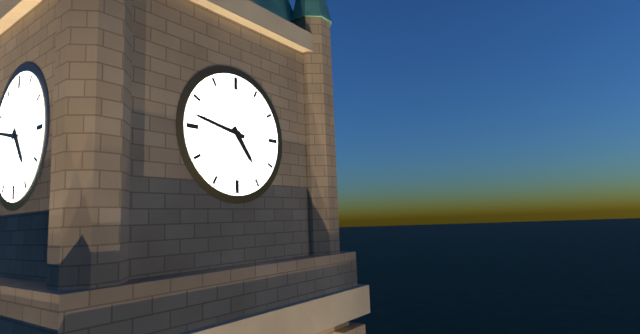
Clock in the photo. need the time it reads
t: 4:47
